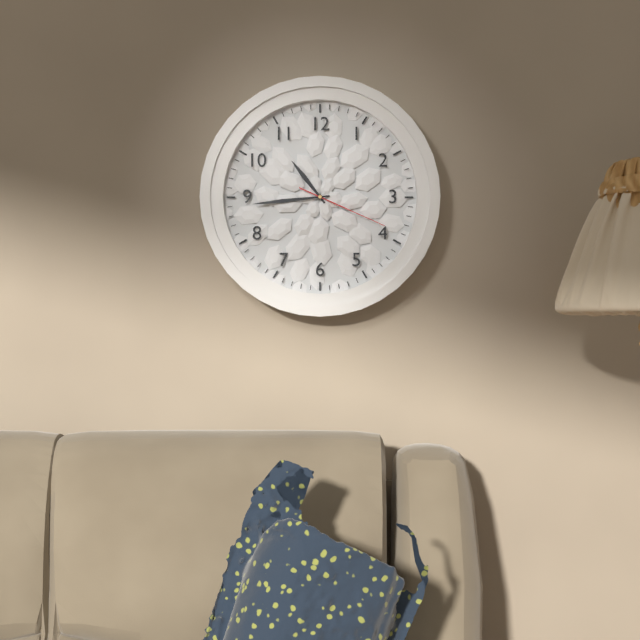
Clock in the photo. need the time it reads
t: 10:44:19
